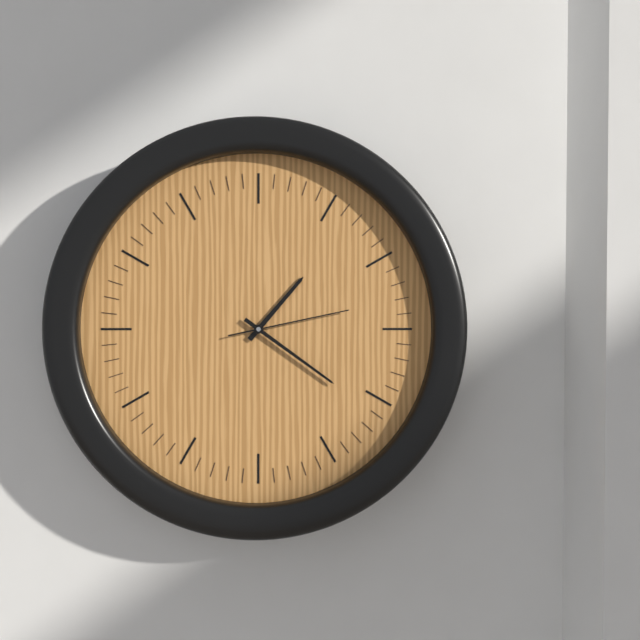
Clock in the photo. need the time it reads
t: 1:21:13
